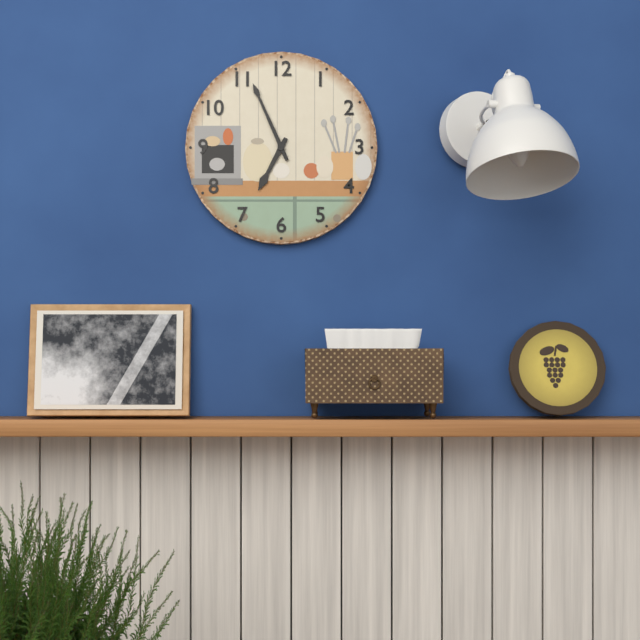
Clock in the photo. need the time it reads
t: 6:56
